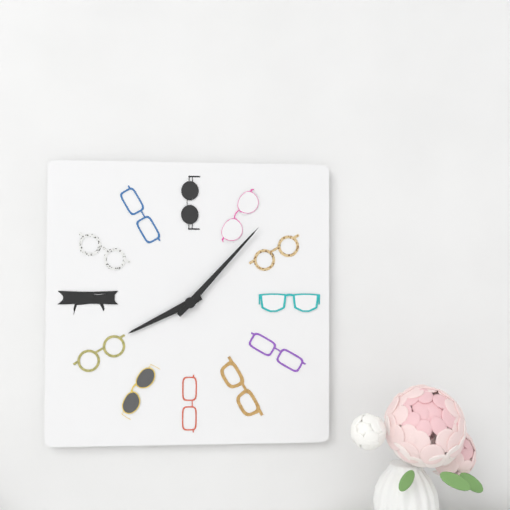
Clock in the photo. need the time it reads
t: 8:07
